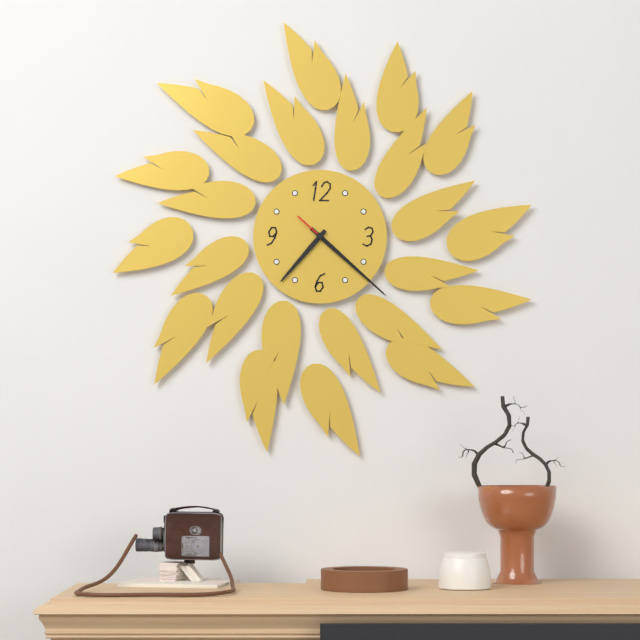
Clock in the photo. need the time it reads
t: 7:22:22
